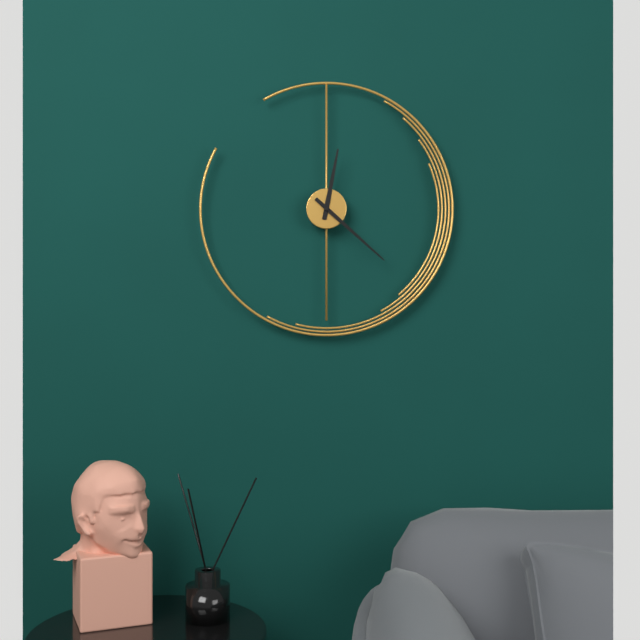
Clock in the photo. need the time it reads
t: 12:22
